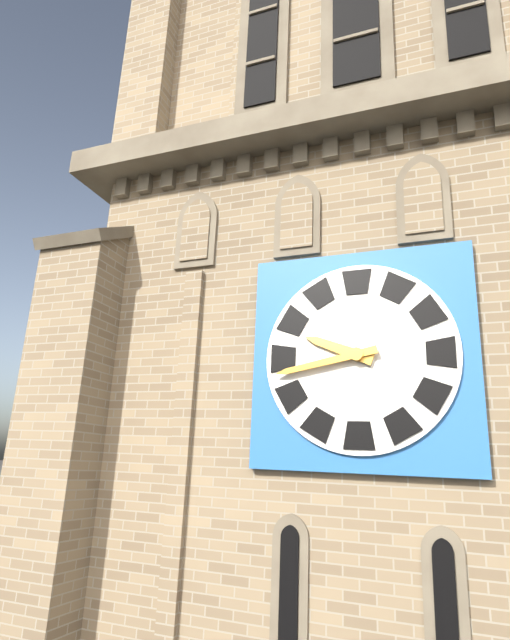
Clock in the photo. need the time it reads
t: 9:43
